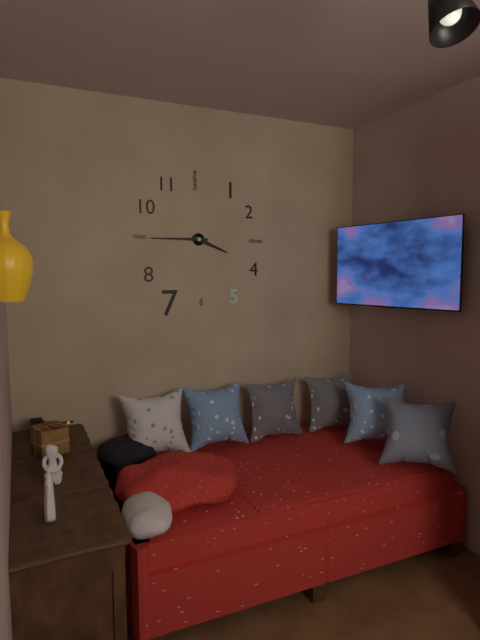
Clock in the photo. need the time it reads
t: 3:45
